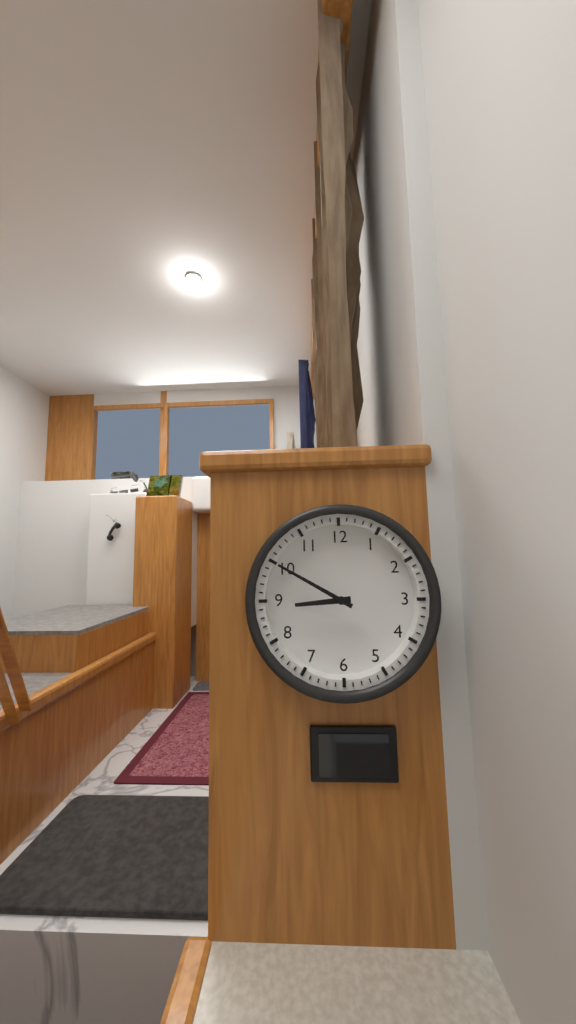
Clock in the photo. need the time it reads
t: 8:50
